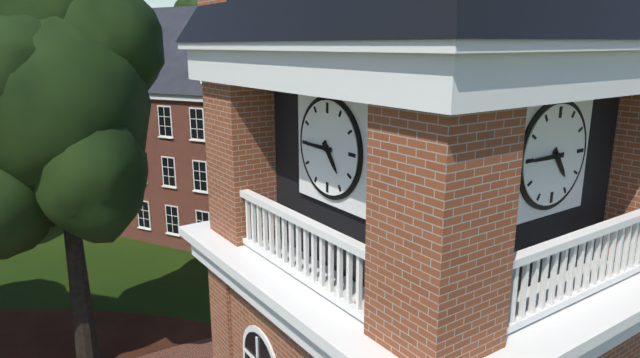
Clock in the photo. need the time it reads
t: 4:45
